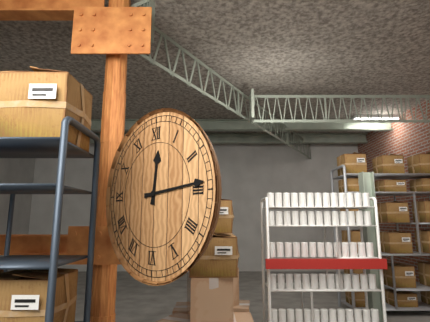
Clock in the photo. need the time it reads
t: 12:14
